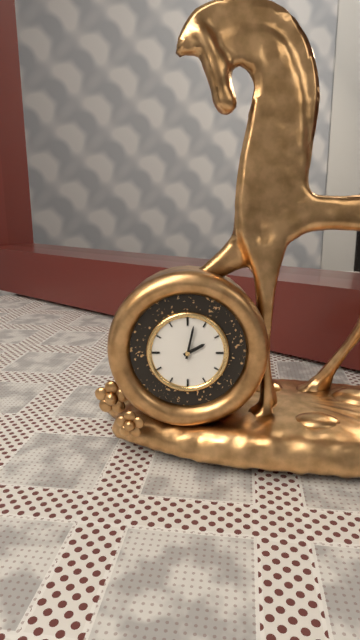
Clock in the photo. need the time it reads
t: 2:02
